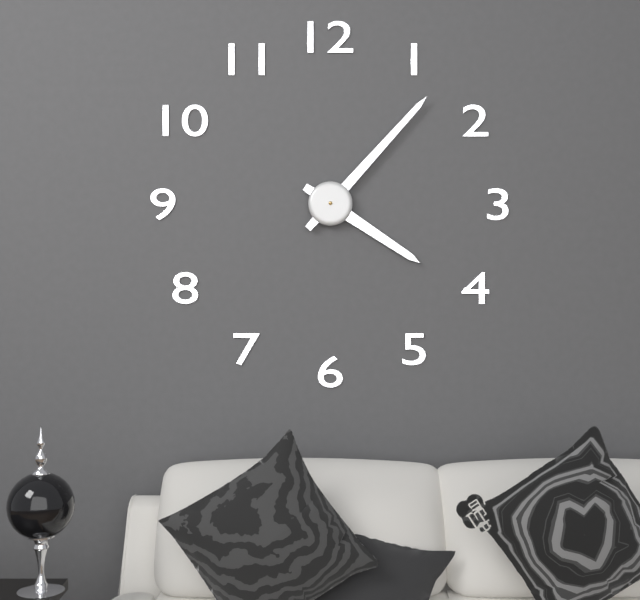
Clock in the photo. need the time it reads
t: 4:07
